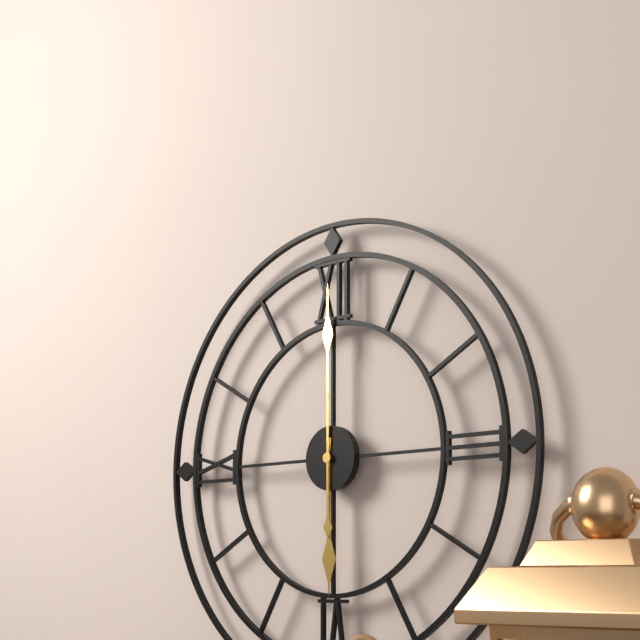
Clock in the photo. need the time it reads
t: 6:00
